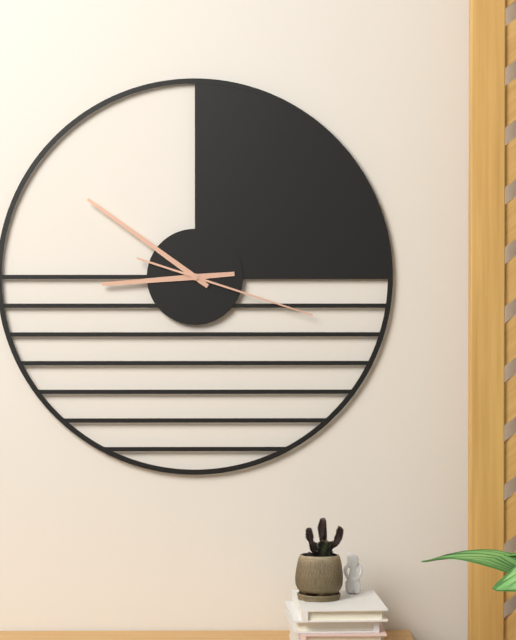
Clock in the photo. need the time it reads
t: 8:51:18
